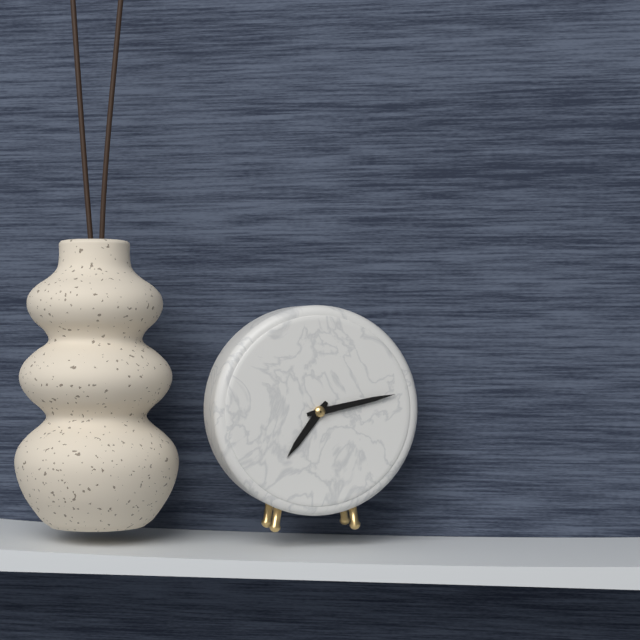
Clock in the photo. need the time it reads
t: 7:13
